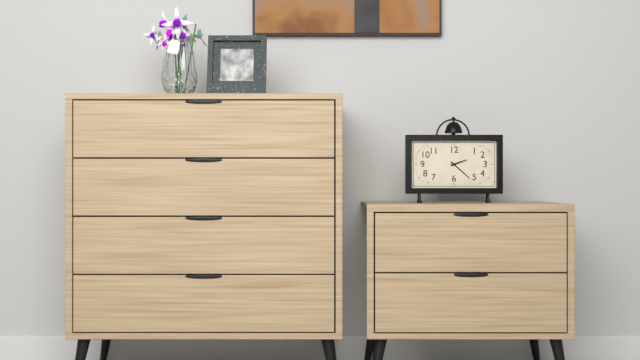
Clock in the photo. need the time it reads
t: 2:22
